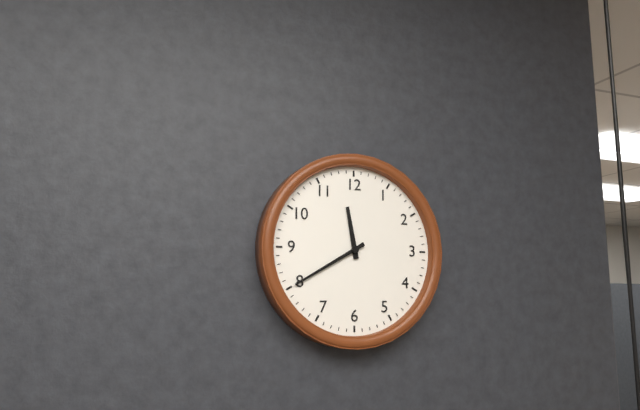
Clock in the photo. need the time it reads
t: 11:40
